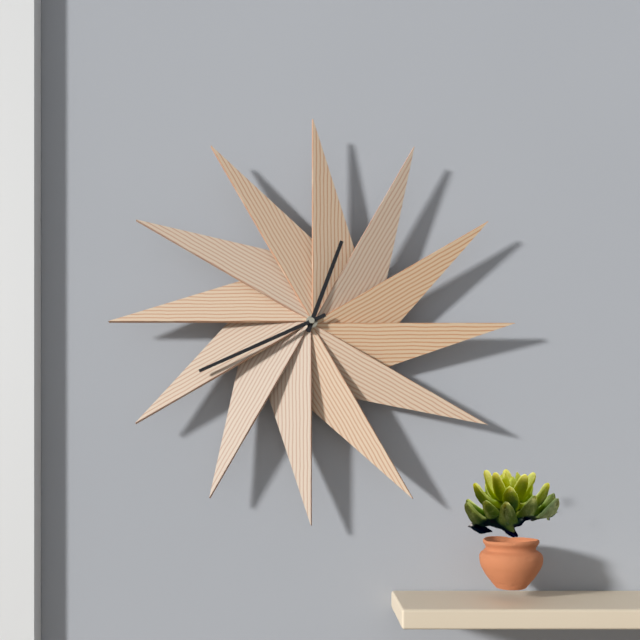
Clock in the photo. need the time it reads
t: 12:41
